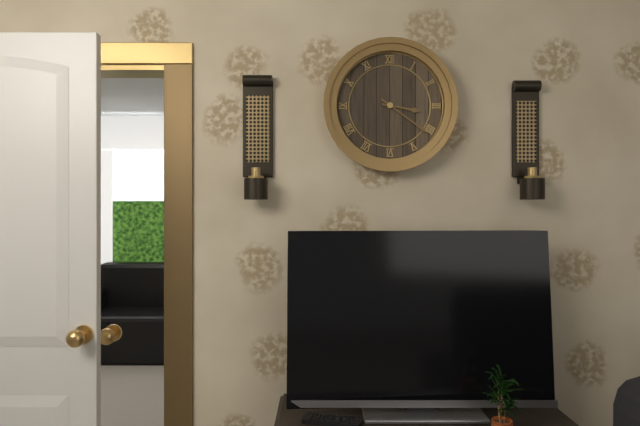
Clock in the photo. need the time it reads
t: 3:21
